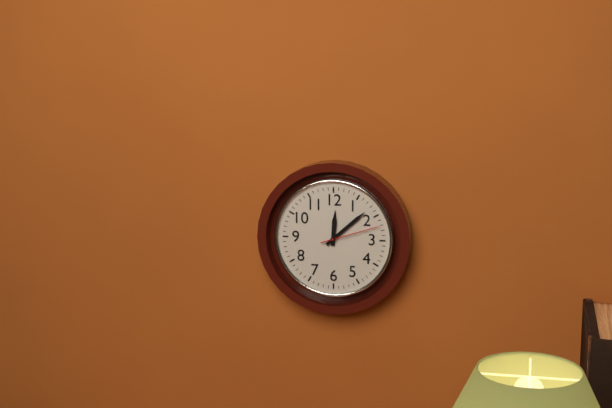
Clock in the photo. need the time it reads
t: 12:08:12
